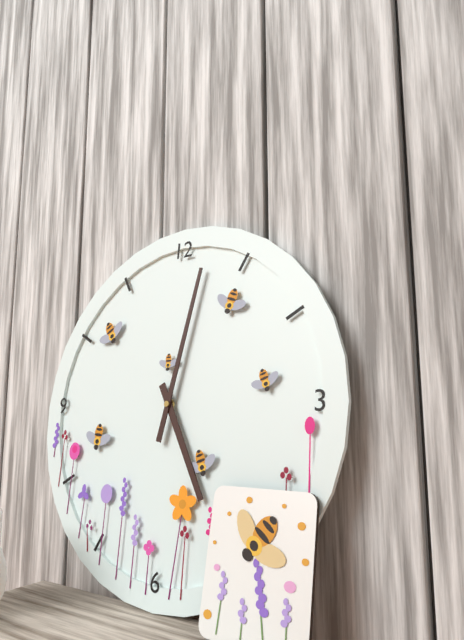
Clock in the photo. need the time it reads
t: 5:02
